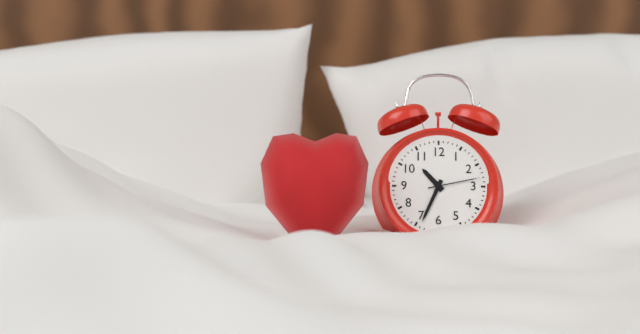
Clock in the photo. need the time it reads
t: 10:34:13
